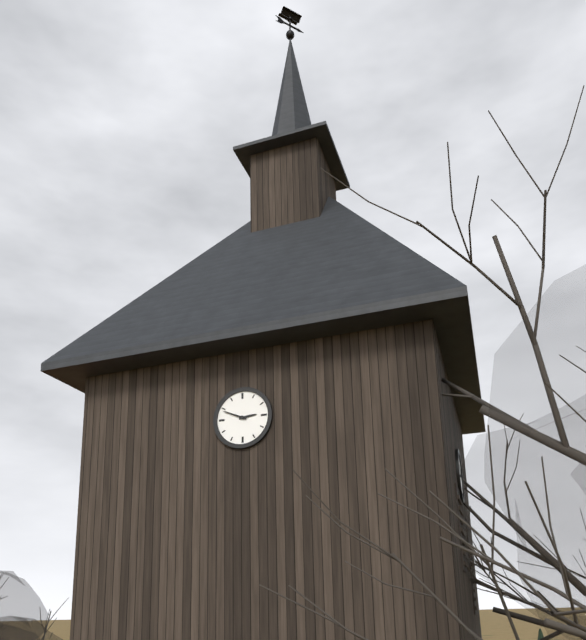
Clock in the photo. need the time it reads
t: 2:49
